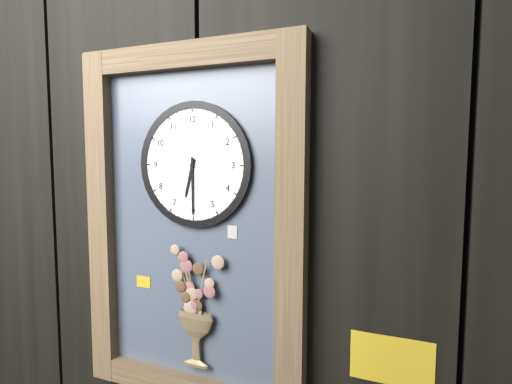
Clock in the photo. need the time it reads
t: 6:30
